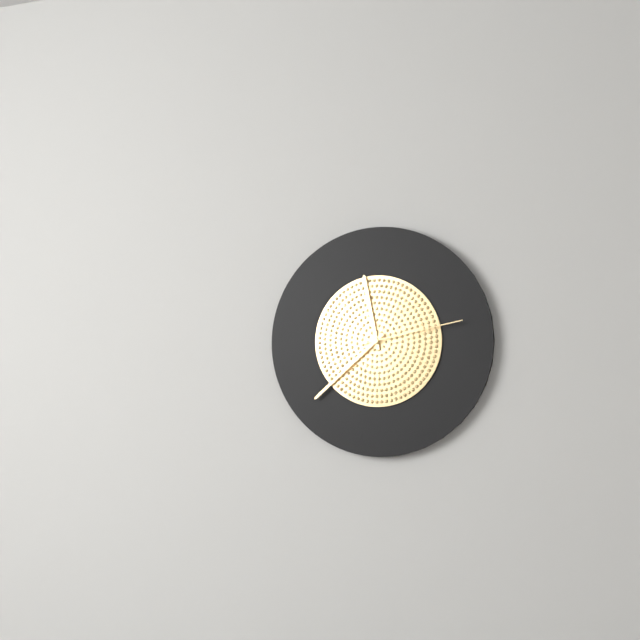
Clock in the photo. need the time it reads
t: 11:38:13
